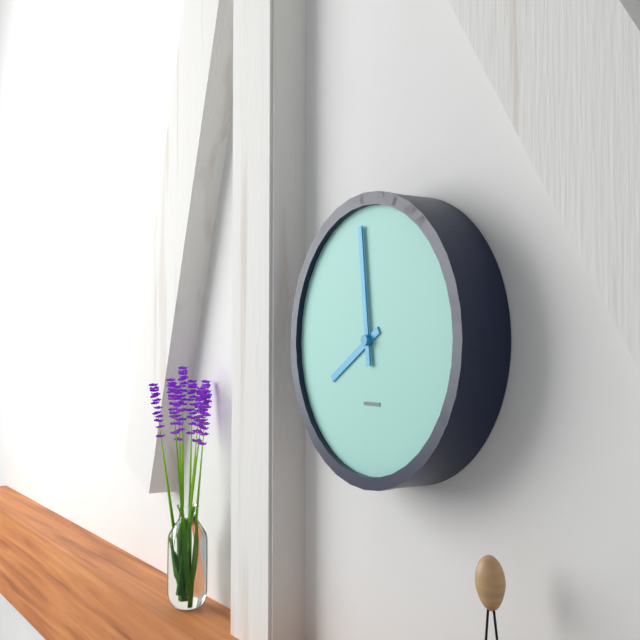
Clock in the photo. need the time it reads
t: 7:59
